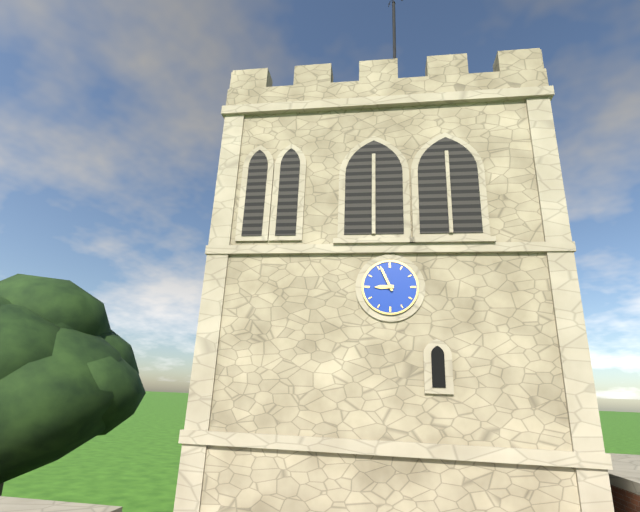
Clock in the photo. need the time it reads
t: 8:56
